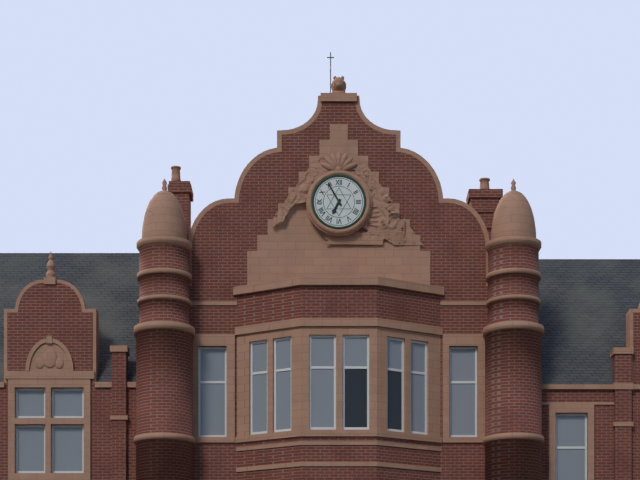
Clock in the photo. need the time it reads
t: 6:55
